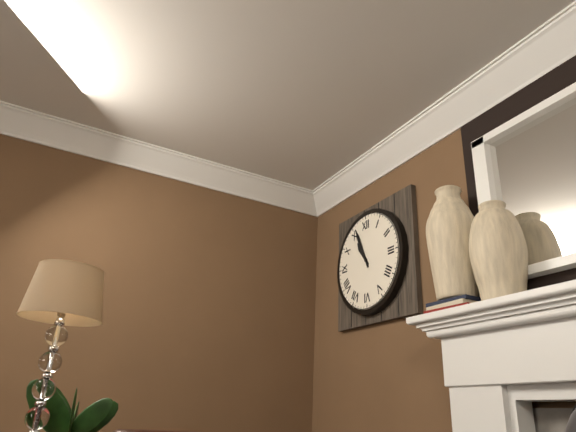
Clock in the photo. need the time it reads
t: 10:56
